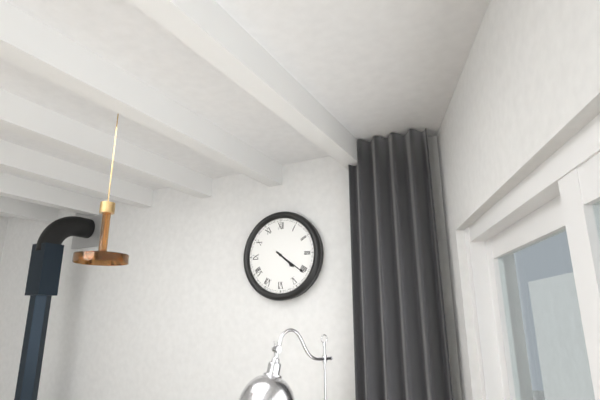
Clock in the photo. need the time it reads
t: 4:21
